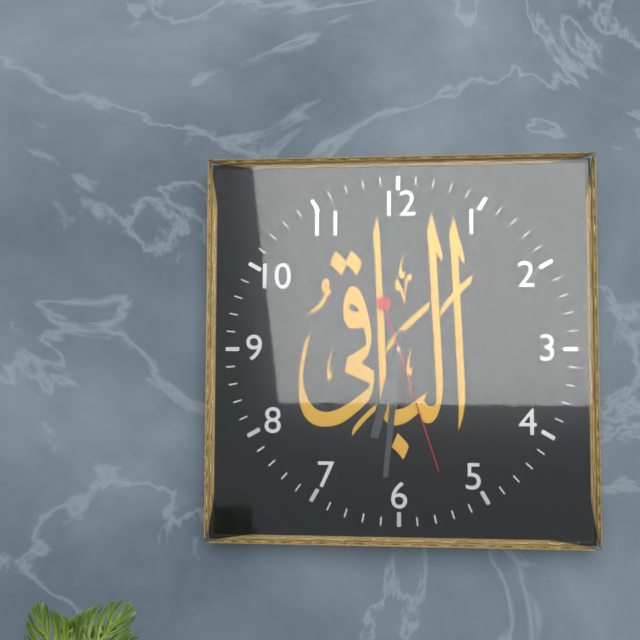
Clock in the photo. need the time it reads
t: 6:31:27
